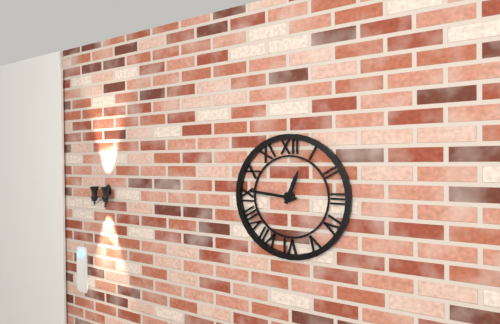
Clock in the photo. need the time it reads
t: 12:46
